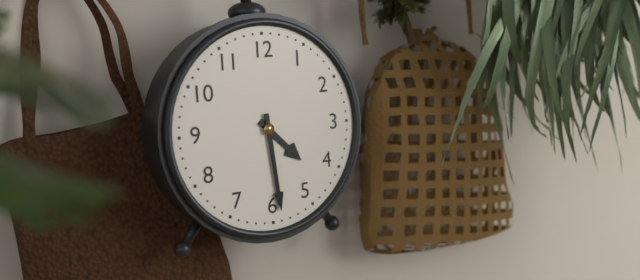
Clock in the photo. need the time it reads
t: 4:29
